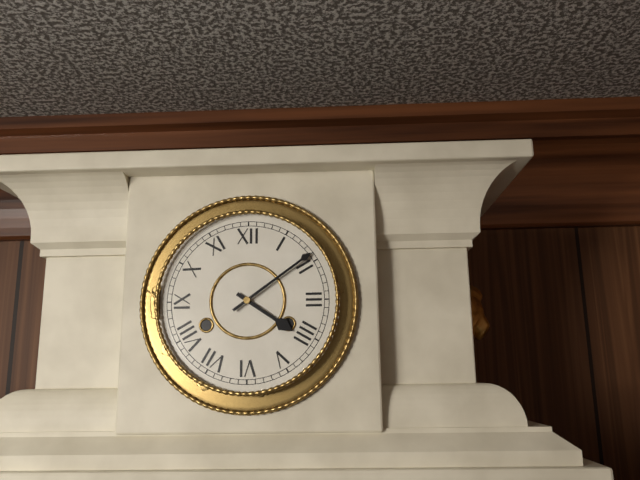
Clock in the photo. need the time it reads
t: 4:09
